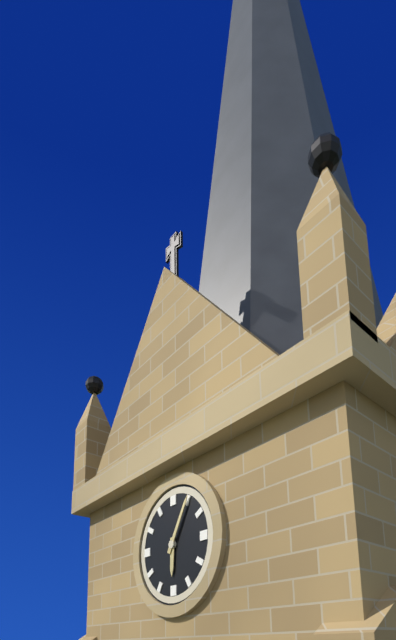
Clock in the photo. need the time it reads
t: 6:05
